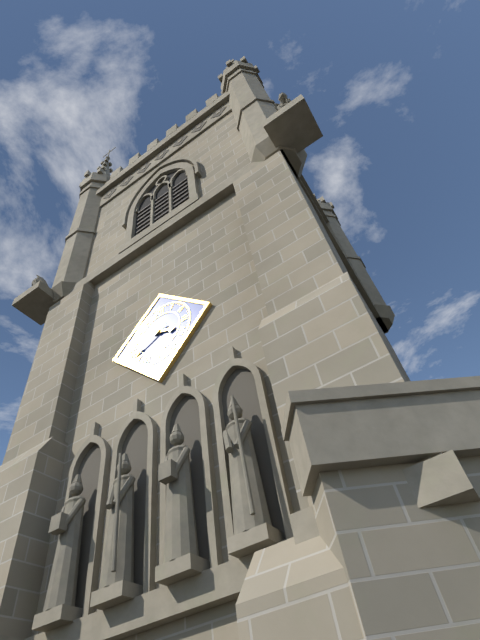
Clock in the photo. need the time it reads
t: 3:41
